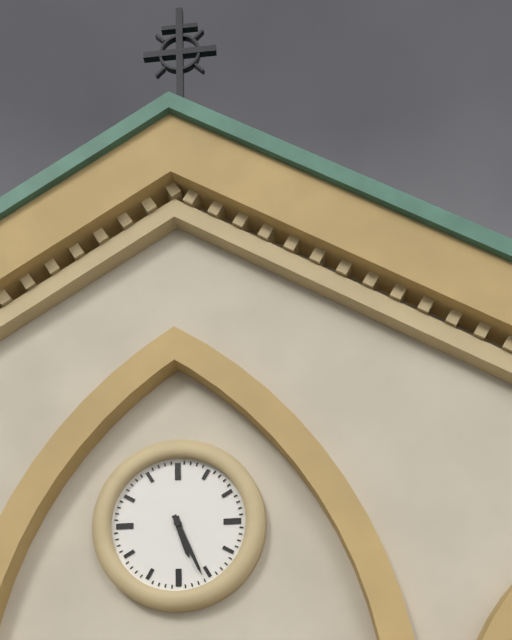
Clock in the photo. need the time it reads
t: 5:26
